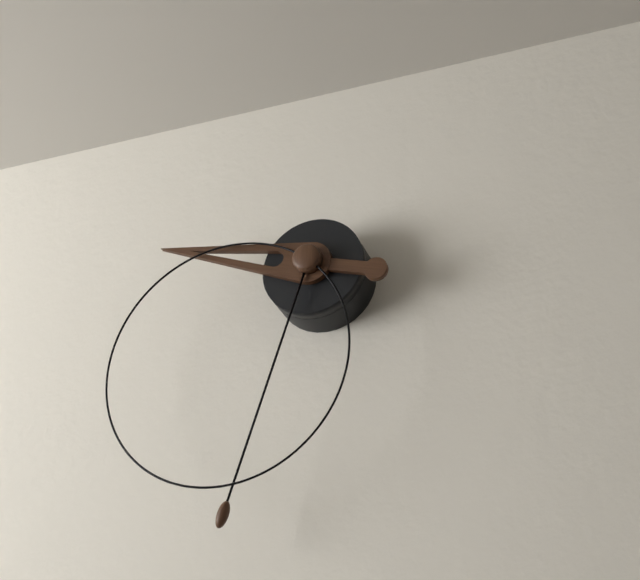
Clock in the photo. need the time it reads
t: 9:33:37
